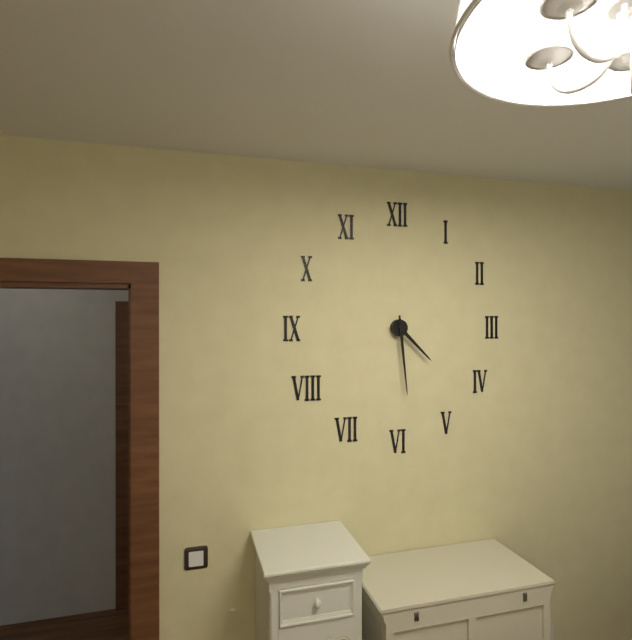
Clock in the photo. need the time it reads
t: 4:29
